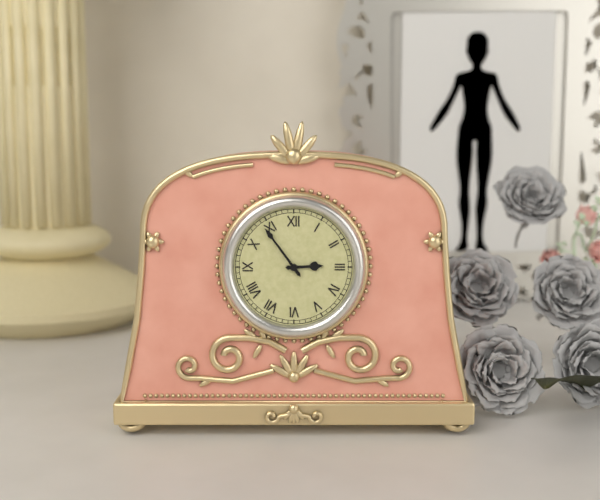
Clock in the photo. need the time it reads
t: 2:54
